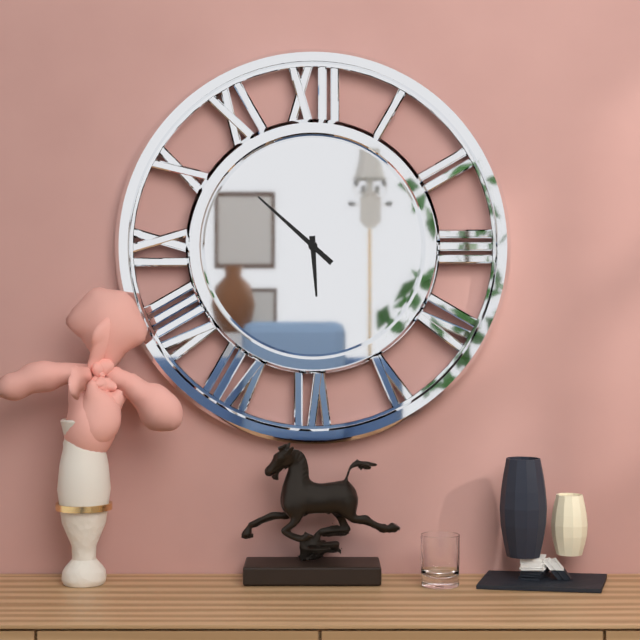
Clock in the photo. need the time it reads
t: 5:52
